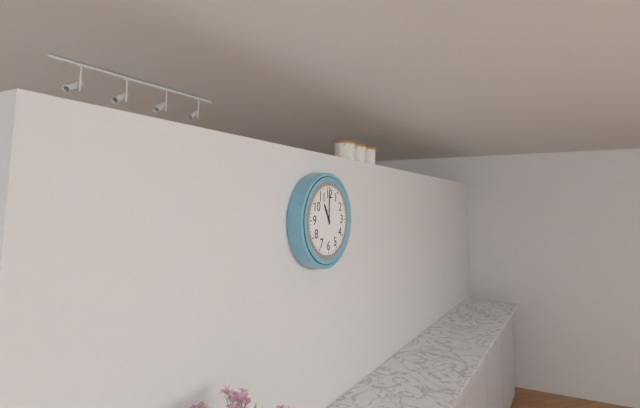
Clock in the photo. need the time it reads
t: 11:00
